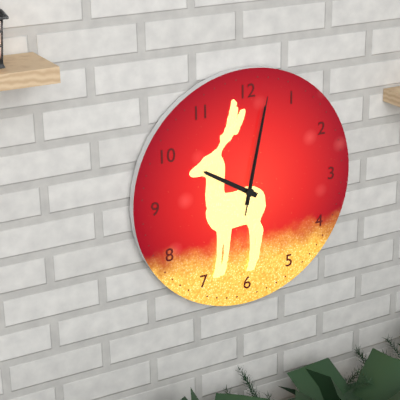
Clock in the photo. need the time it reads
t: 10:02:02
